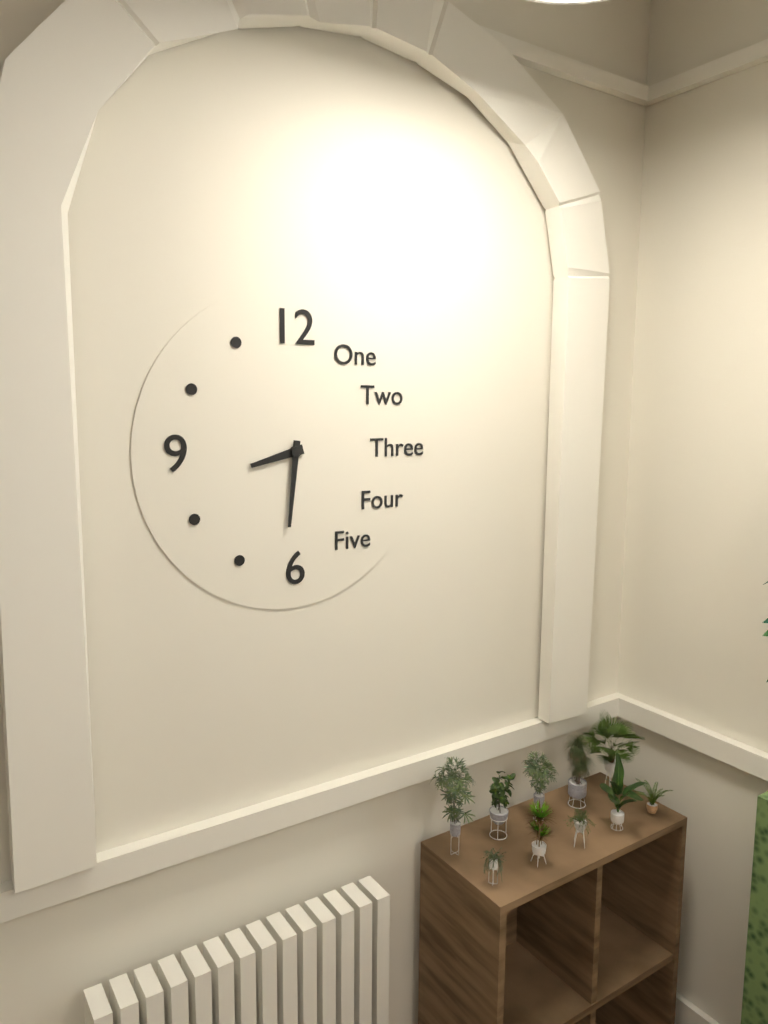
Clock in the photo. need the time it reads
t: 8:31
